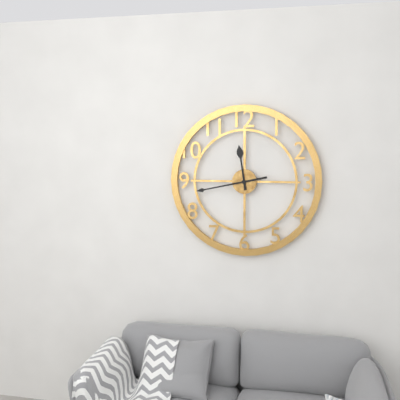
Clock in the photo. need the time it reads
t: 11:43
